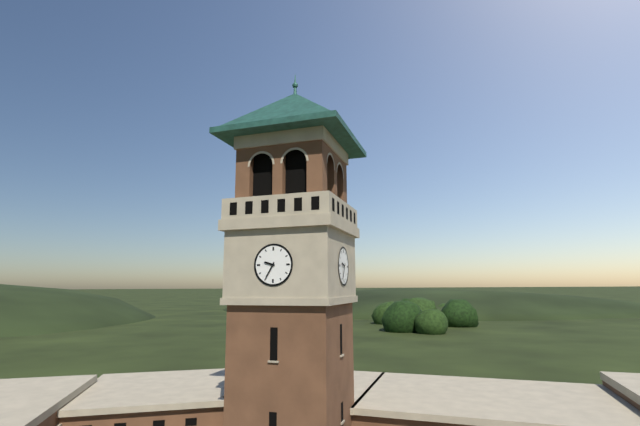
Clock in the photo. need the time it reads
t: 9:35
